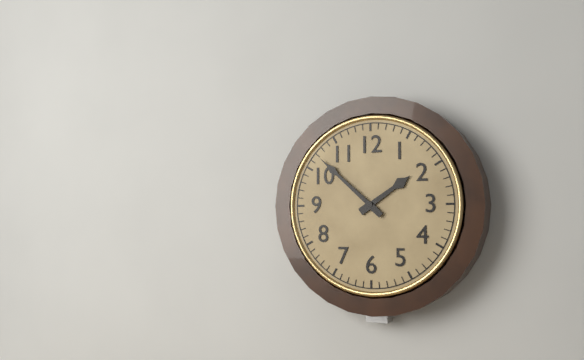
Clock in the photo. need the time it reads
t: 1:52
